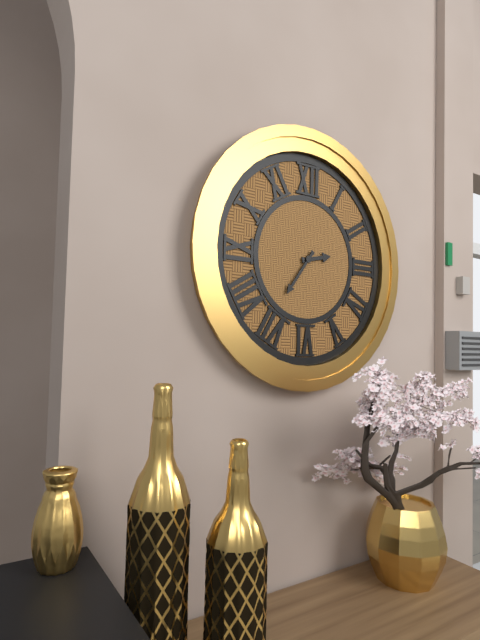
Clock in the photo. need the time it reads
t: 2:36
